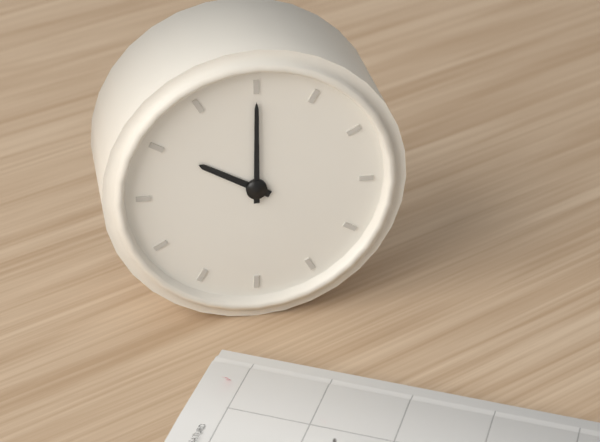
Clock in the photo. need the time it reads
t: 10:00
